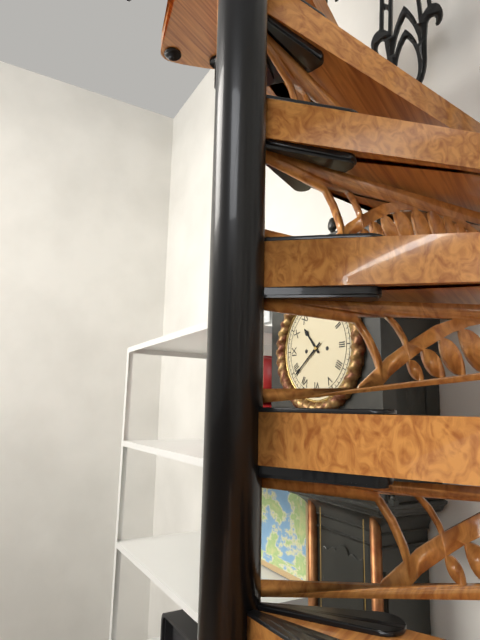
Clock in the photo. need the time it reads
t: 10:39
